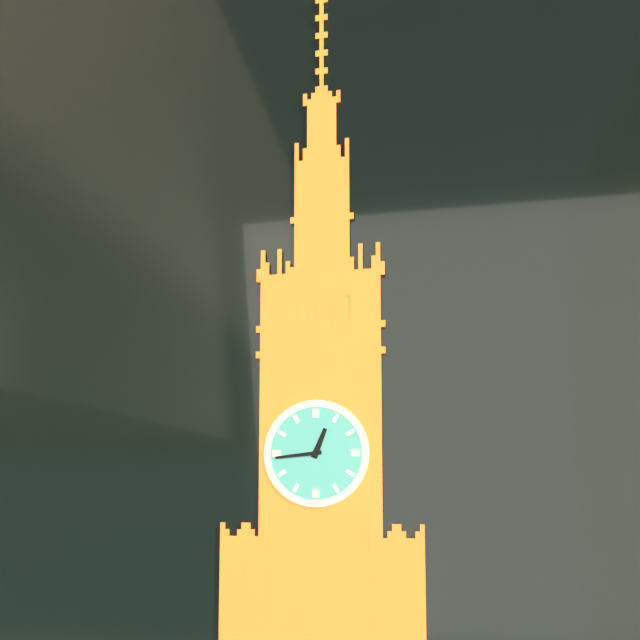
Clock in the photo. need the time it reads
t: 12:44
